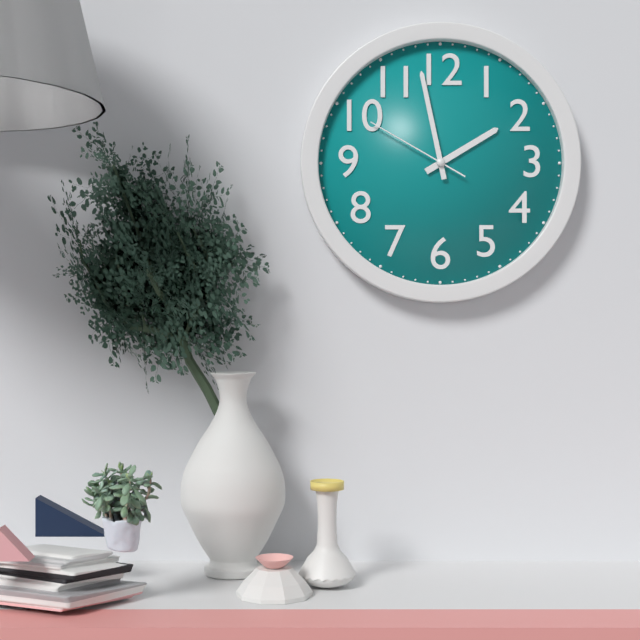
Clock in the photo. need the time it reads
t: 1:58:50
